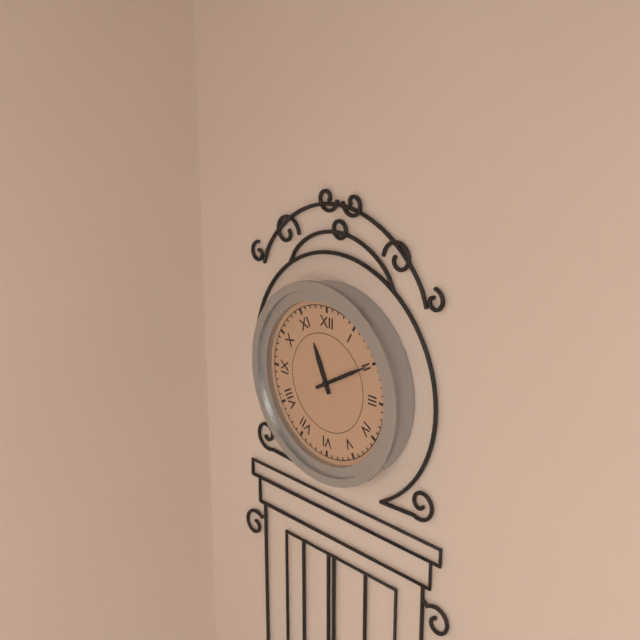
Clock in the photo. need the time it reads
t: 11:10
